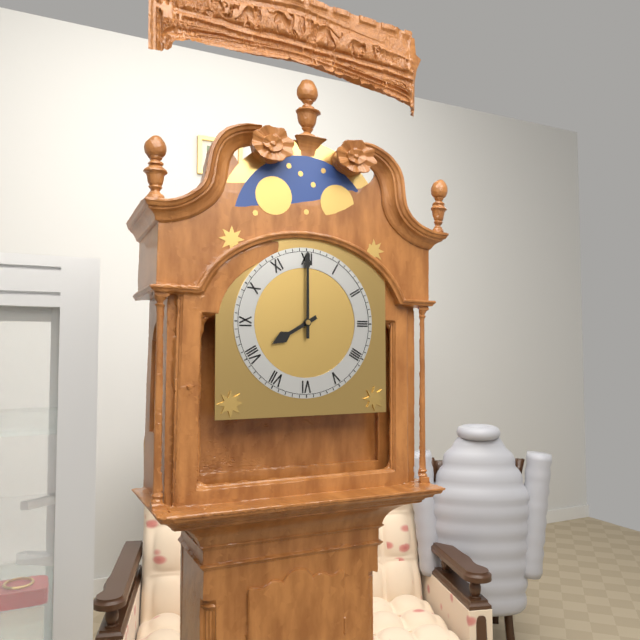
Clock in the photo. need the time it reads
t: 8:00
